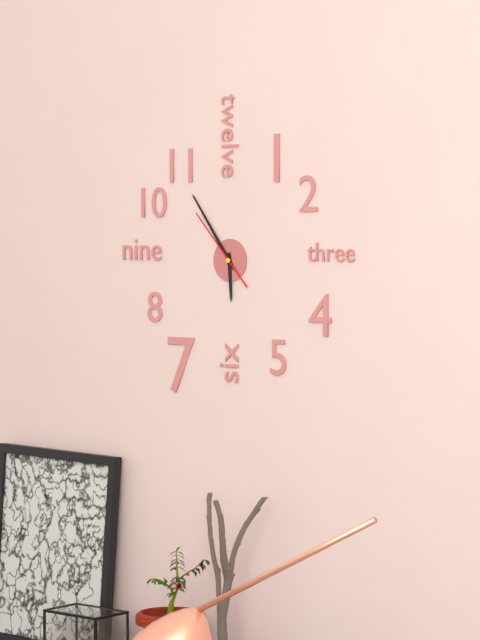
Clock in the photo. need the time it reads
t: 5:54:53
